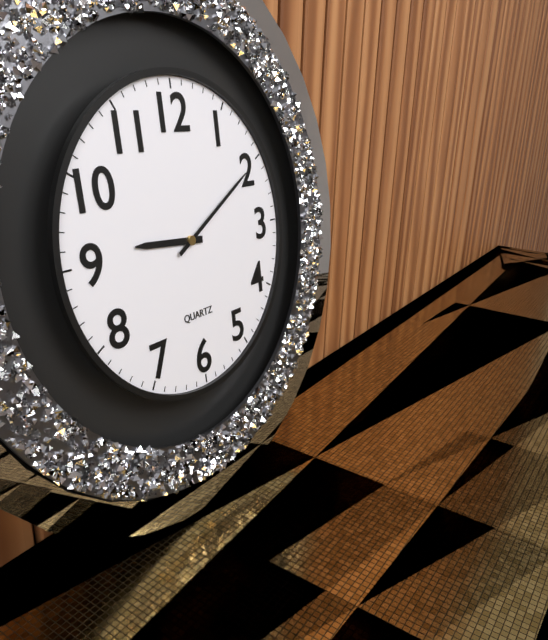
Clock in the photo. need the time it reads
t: 9:10
